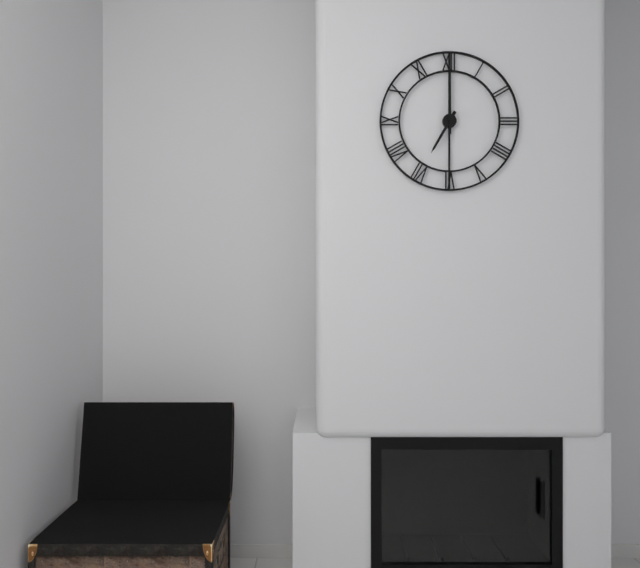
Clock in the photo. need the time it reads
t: 7:00
